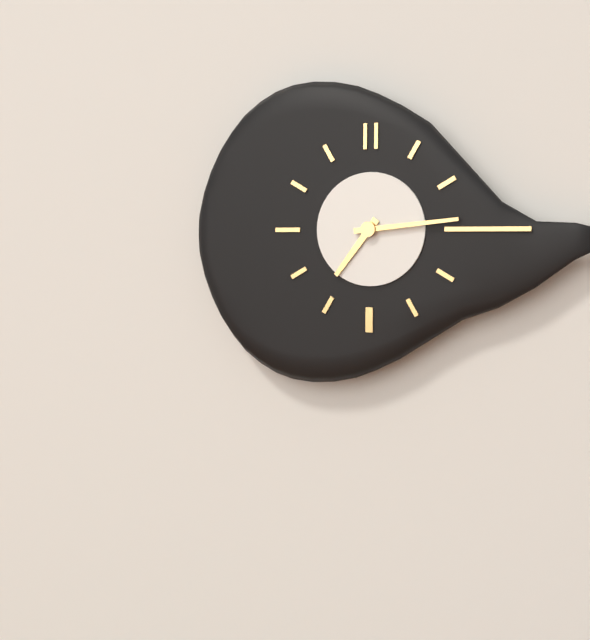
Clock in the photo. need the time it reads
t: 7:14
